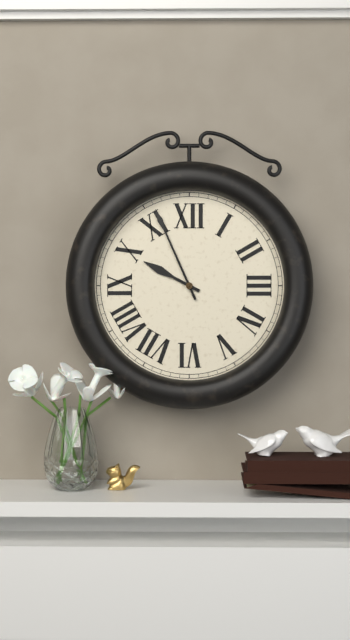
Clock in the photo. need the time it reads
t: 9:56
